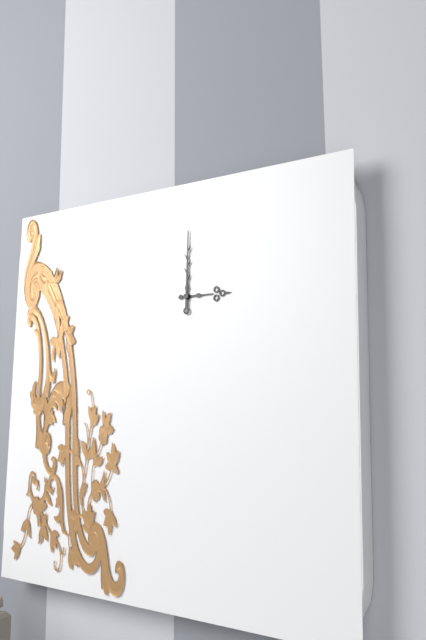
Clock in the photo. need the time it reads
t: 3:00
